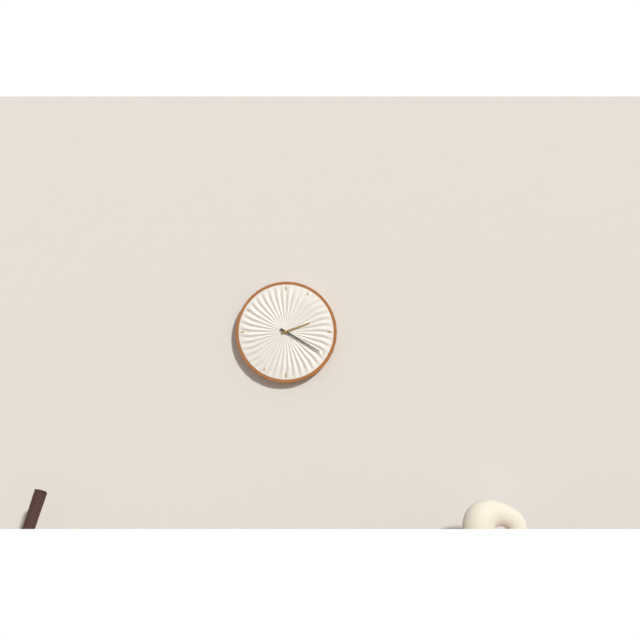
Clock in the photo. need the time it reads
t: 2:20
